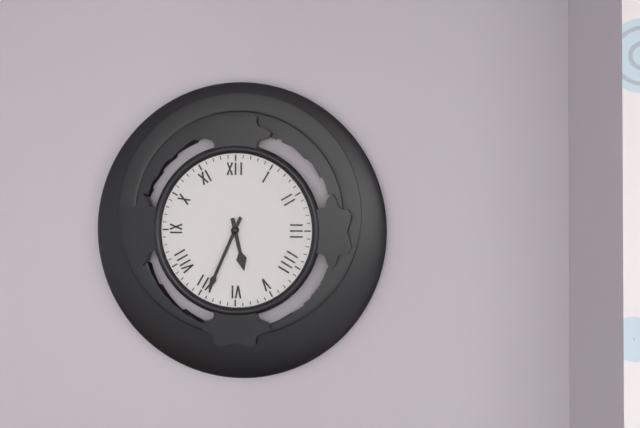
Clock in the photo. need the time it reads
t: 5:34
